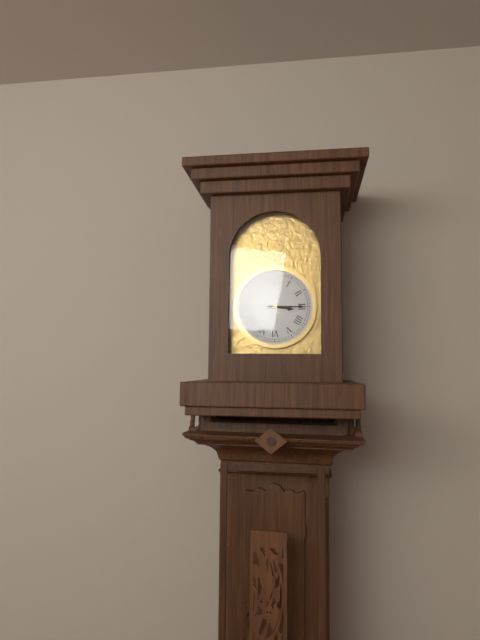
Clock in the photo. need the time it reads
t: 3:15
